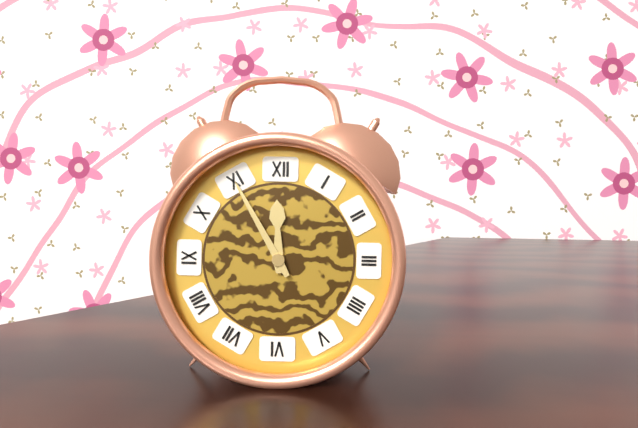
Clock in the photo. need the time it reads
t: 11:55
